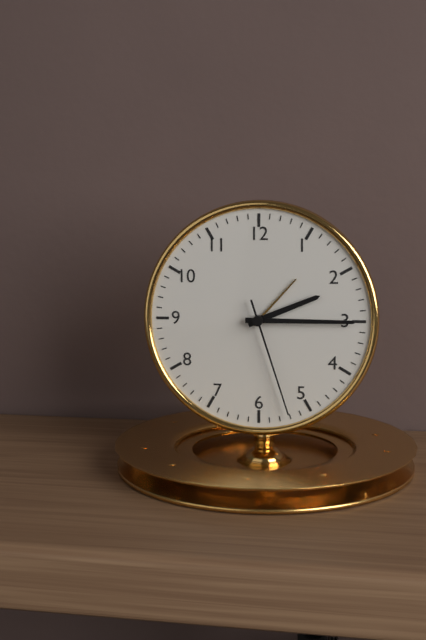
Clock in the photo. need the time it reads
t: 2:15:27
